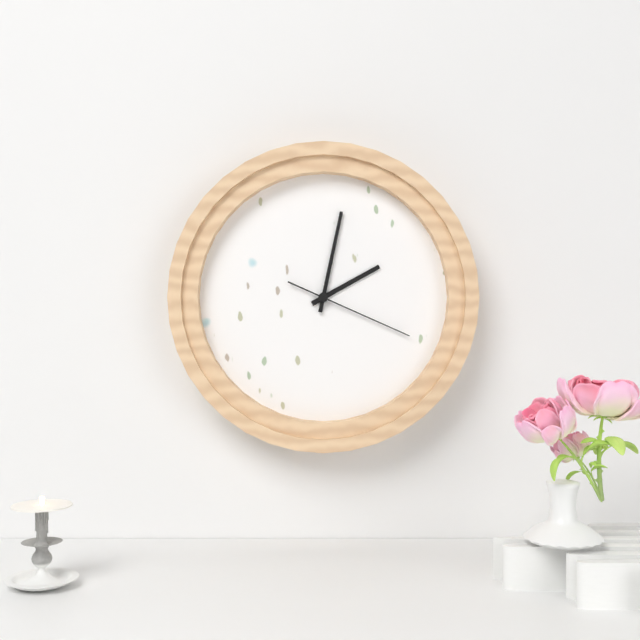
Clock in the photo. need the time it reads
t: 2:02:19
